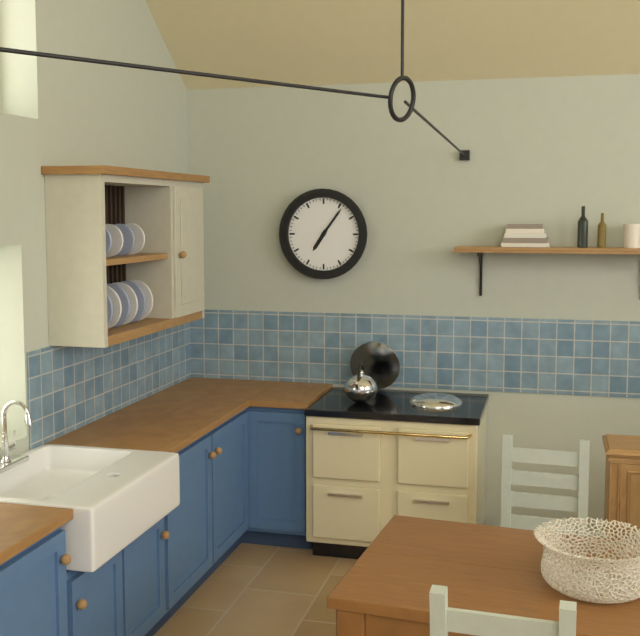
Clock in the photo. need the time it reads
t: 7:06
